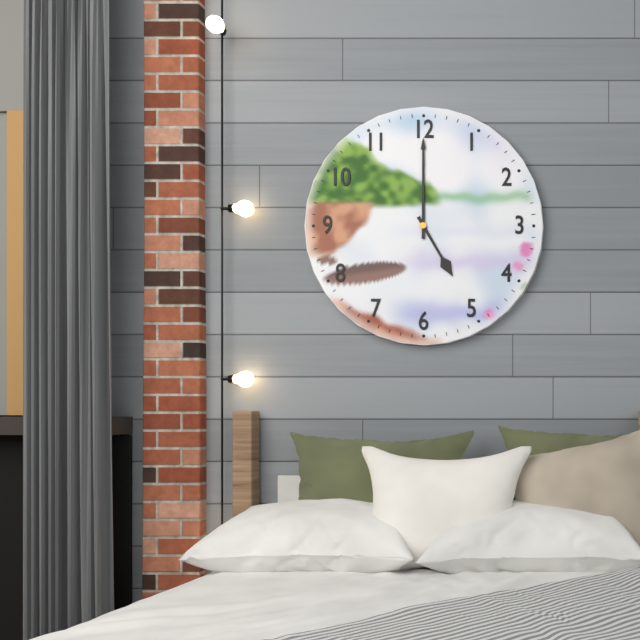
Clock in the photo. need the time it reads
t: 5:00
